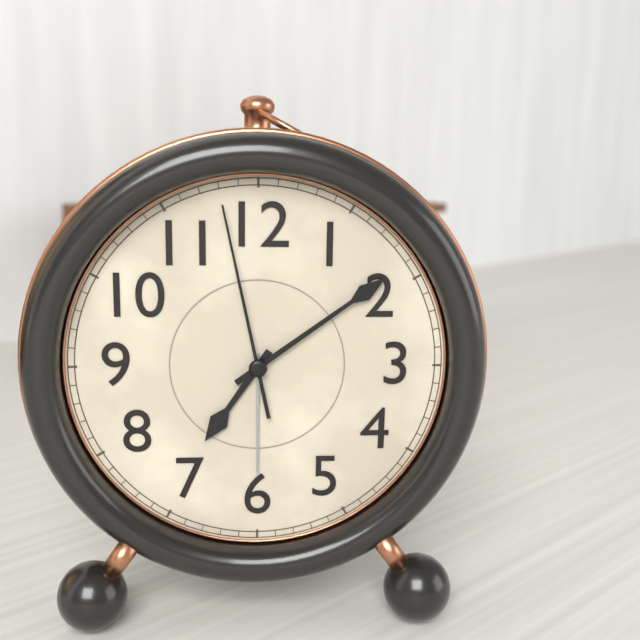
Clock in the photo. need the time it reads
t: 7:09:58
